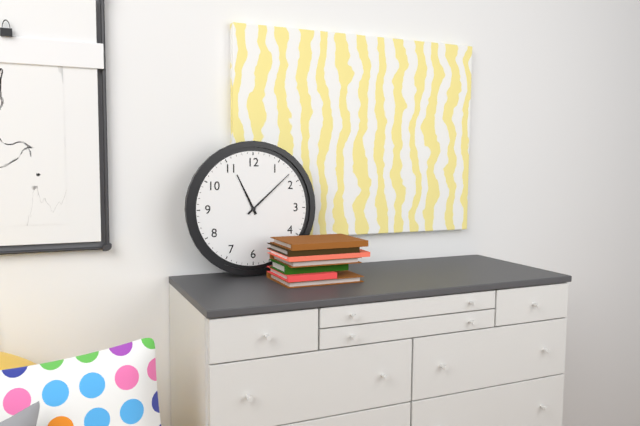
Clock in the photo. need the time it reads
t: 11:08
